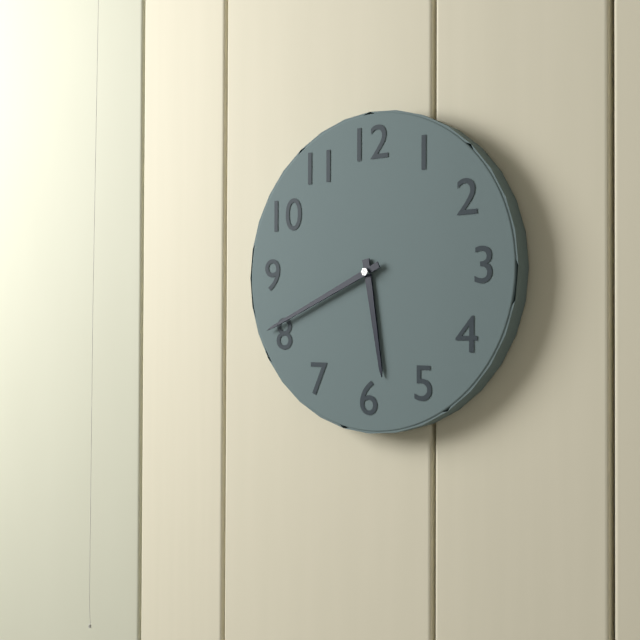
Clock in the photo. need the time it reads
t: 5:41
